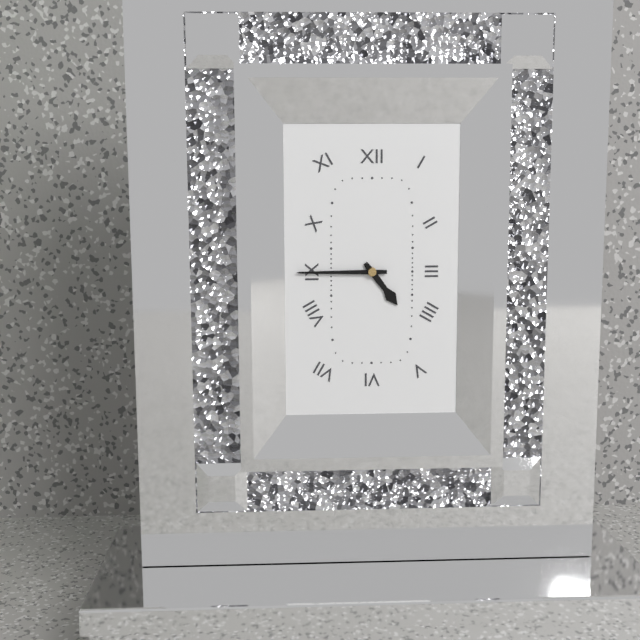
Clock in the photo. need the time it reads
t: 4:45
